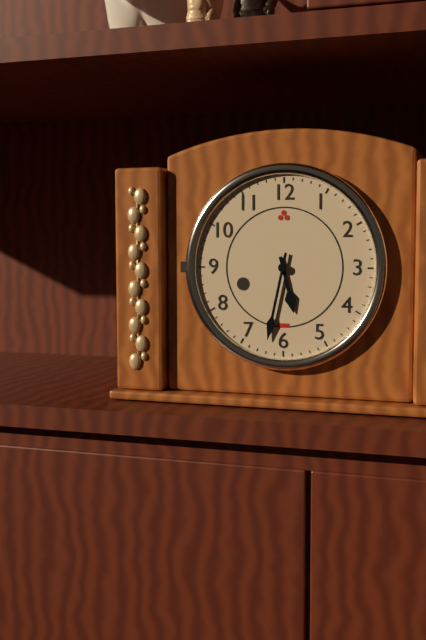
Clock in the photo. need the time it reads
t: 5:32
